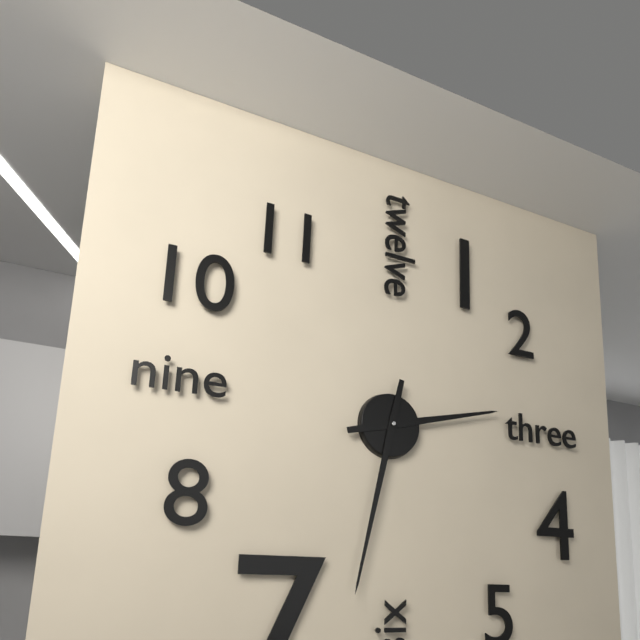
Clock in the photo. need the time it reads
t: 2:32
